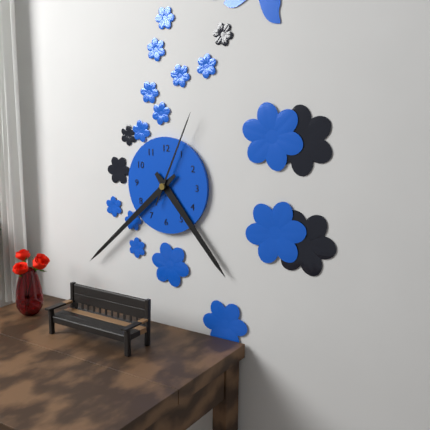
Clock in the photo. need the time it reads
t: 4:38:04
